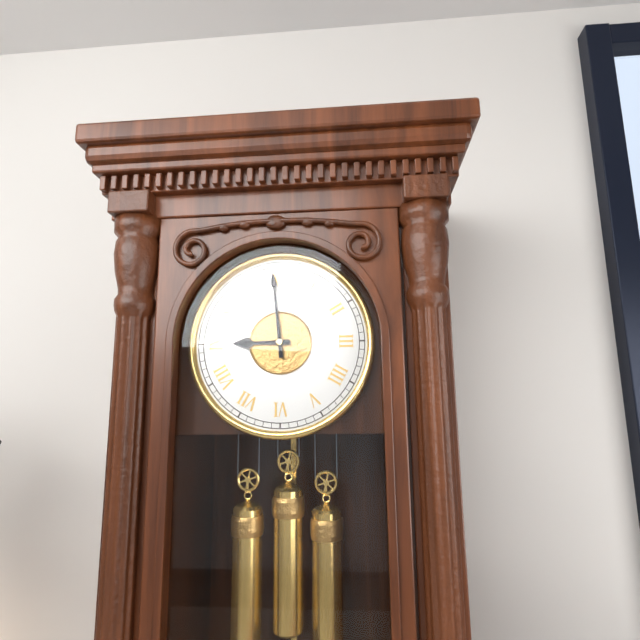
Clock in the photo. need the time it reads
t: 8:59
